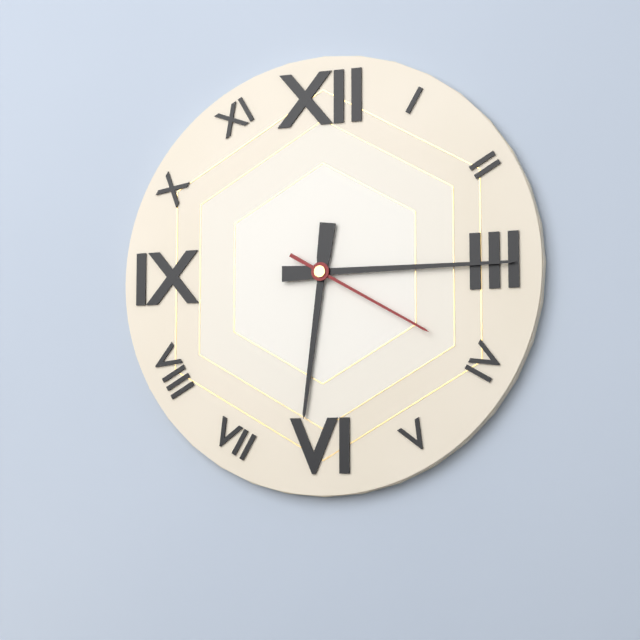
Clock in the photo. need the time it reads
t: 6:15:20
